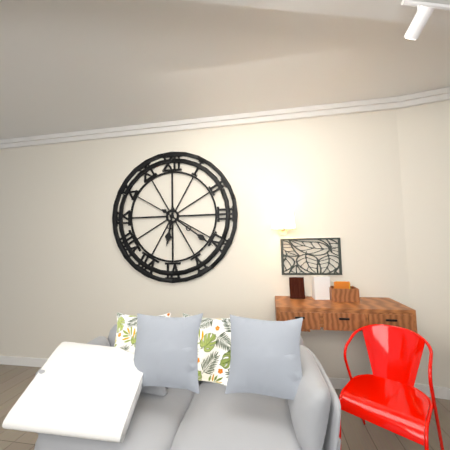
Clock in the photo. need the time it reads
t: 6:21
